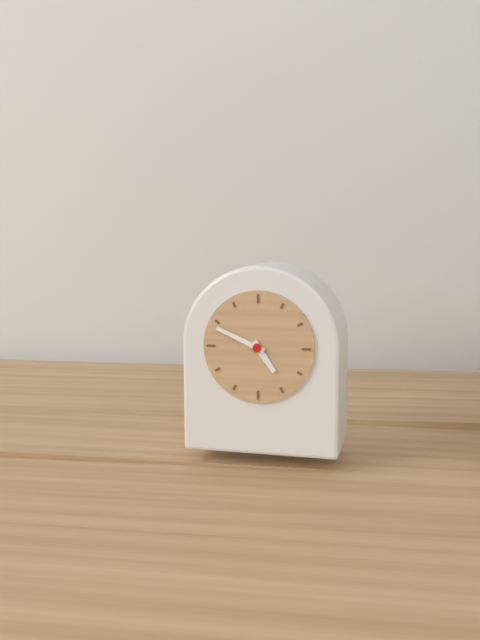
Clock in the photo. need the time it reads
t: 4:49
